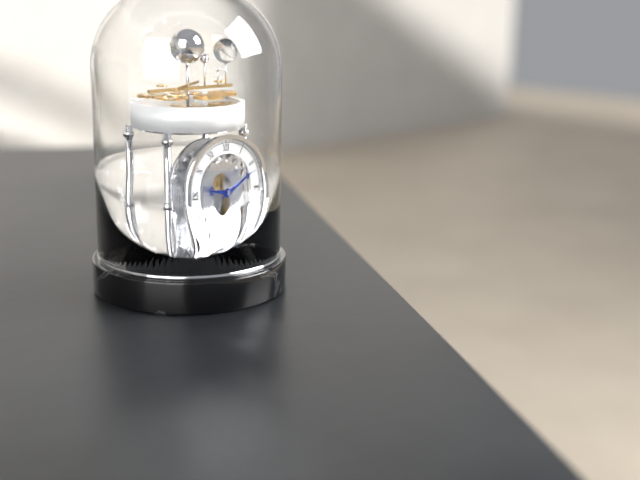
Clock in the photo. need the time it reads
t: 9:12
